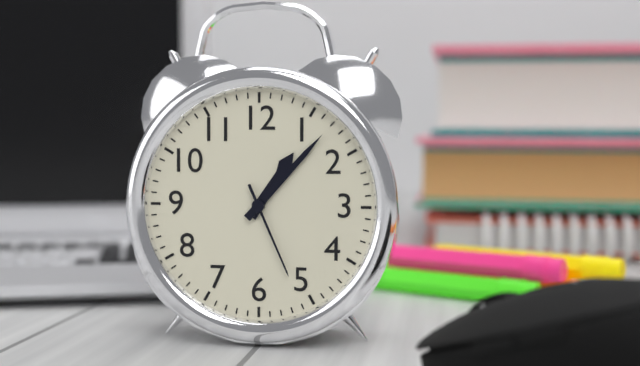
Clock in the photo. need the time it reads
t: 1:07:26
